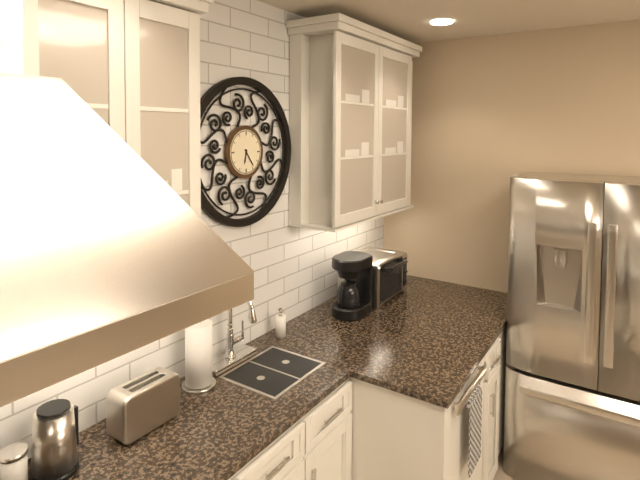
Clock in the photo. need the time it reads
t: 6:24
